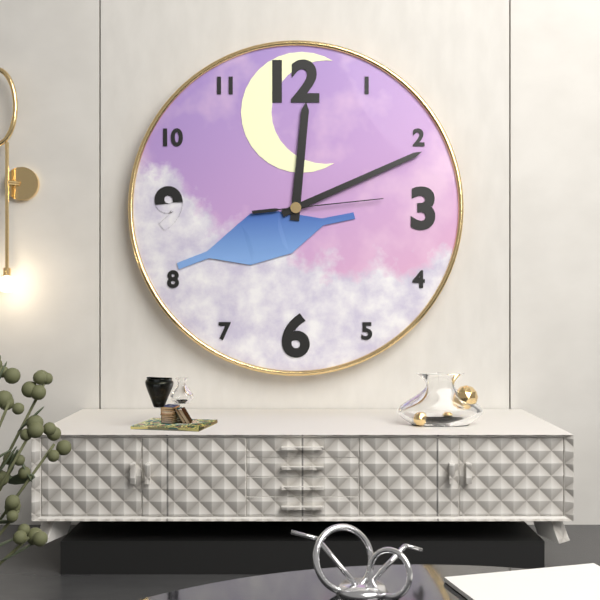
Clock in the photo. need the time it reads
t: 12:11:14
